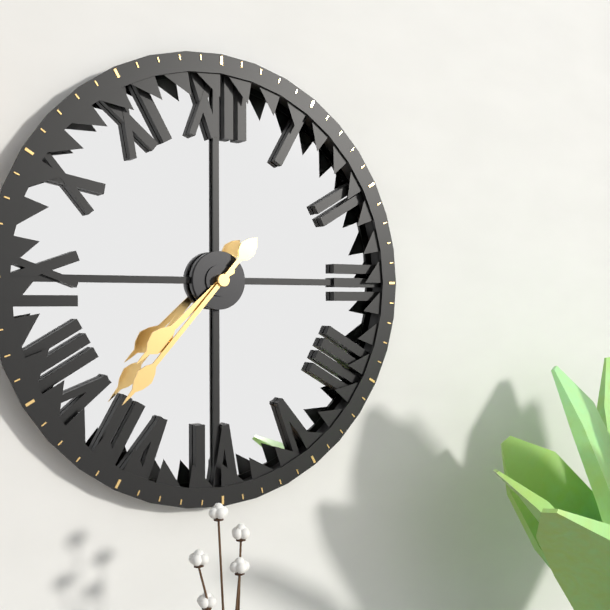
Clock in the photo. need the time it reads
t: 7:37
